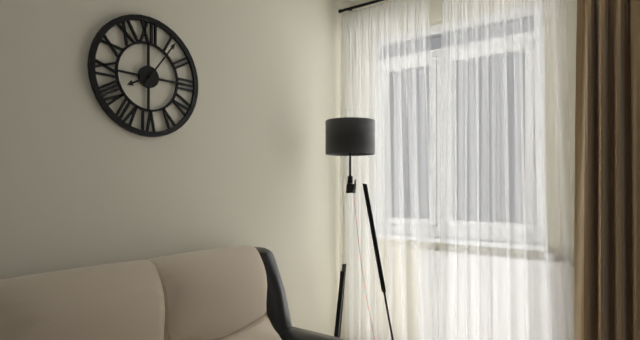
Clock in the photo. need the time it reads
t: 8:06
